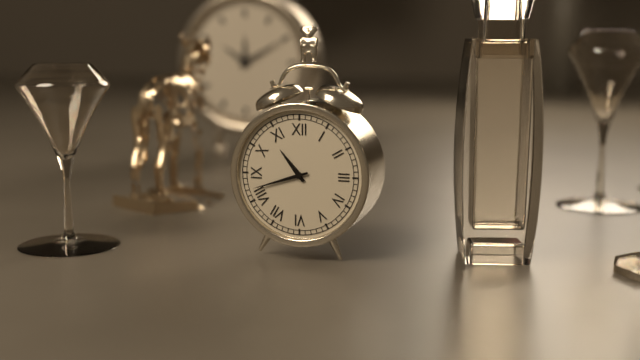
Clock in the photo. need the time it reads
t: 10:42
